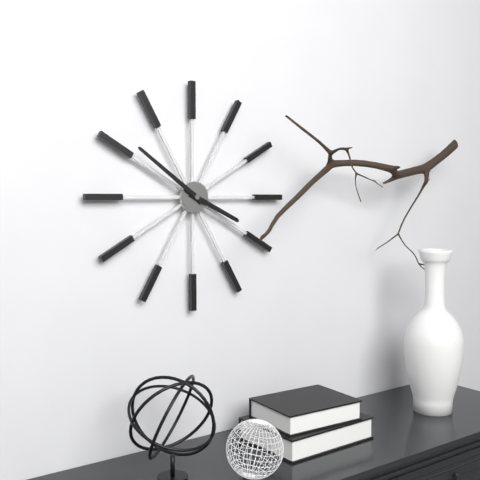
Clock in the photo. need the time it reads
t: 3:51
